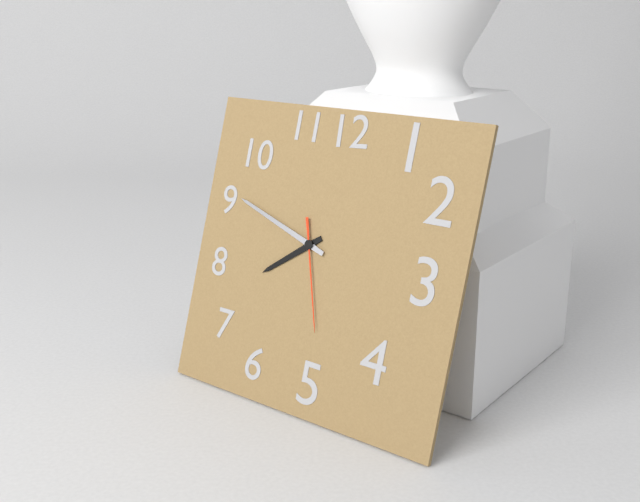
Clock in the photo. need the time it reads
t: 7:48:27
